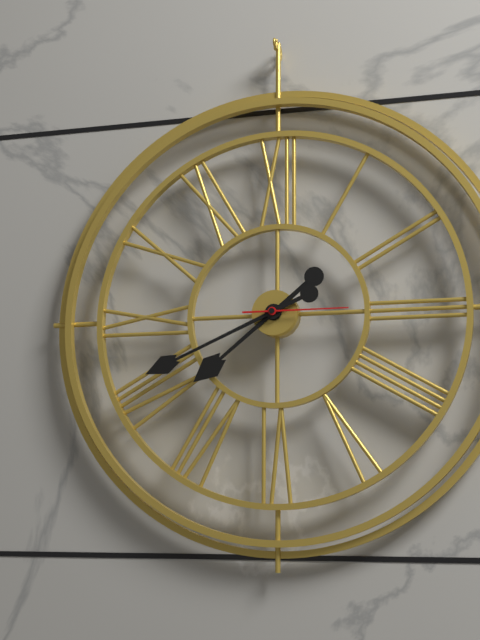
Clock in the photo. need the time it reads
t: 7:41:15
